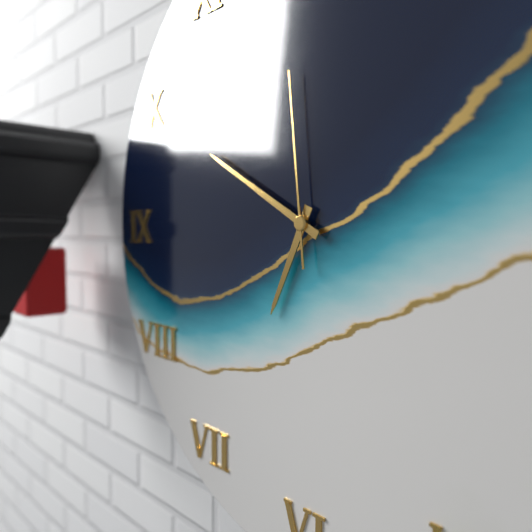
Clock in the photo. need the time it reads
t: 6:50:59
